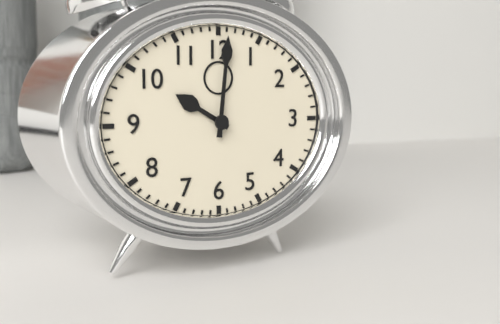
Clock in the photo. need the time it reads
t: 10:01
